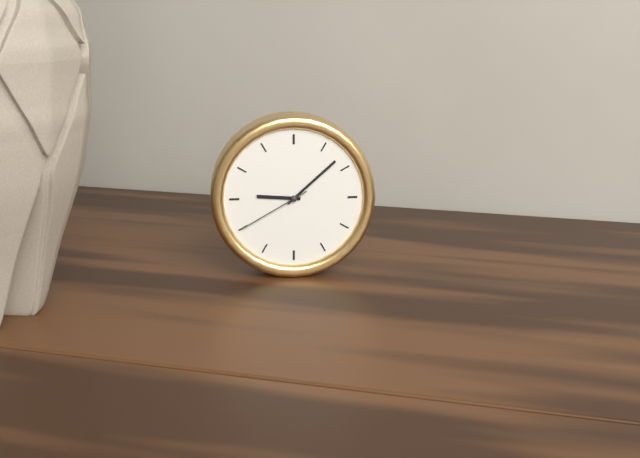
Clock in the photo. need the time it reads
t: 9:08:40
